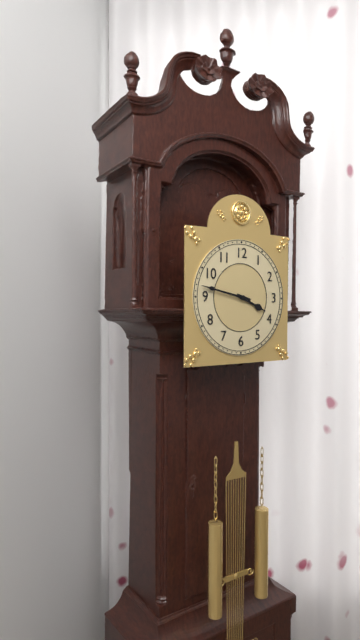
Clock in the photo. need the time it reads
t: 3:47
